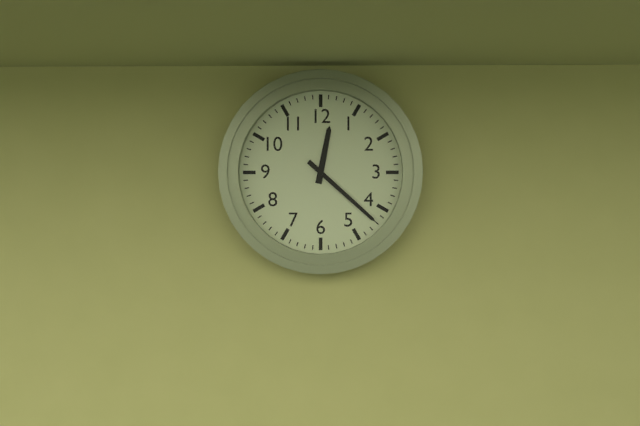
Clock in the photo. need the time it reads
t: 12:22
